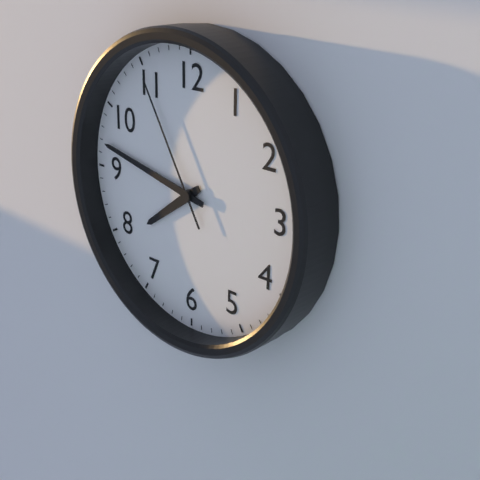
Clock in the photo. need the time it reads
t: 7:47:55
